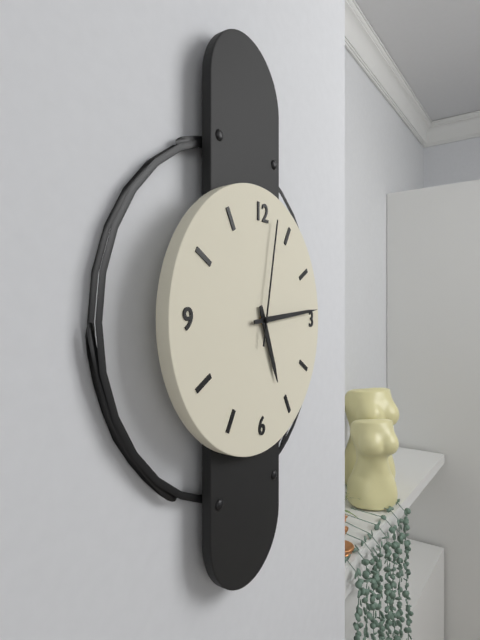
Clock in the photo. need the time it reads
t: 5:14:02
